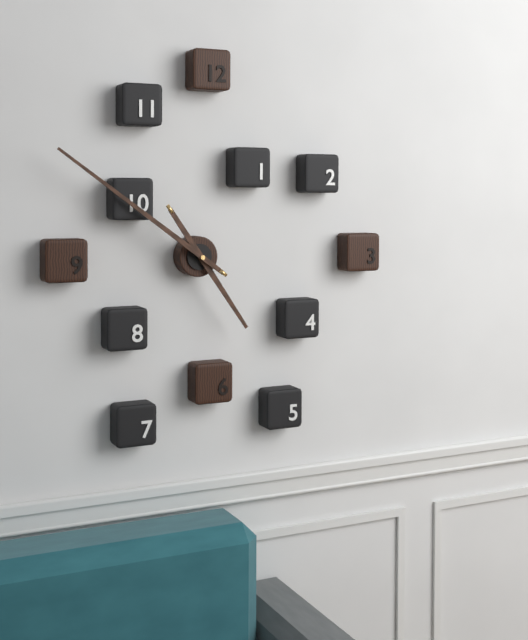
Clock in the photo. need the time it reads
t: 4:51
